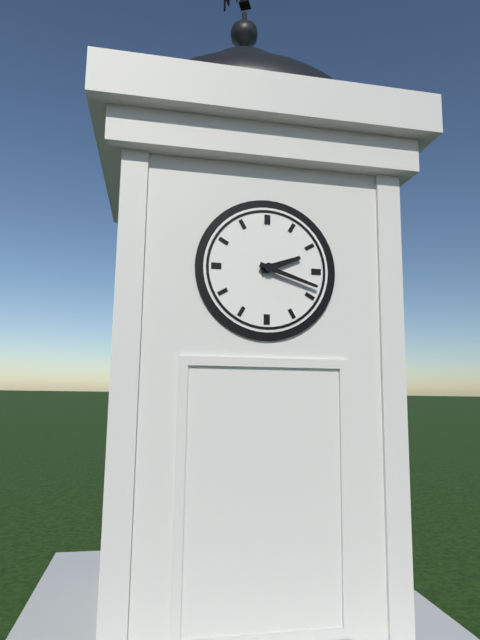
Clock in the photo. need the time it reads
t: 2:18
